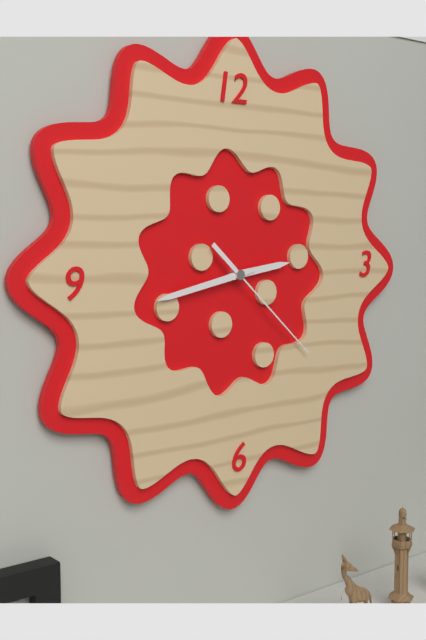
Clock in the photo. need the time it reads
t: 2:43:22
